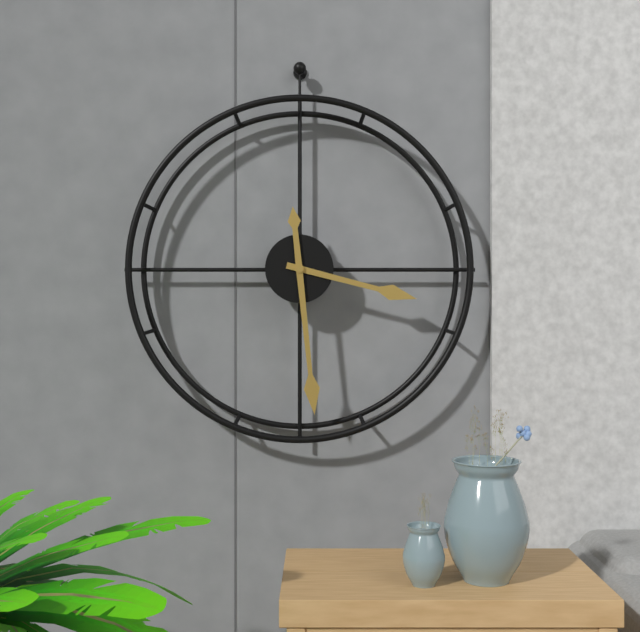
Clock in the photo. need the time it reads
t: 3:29
